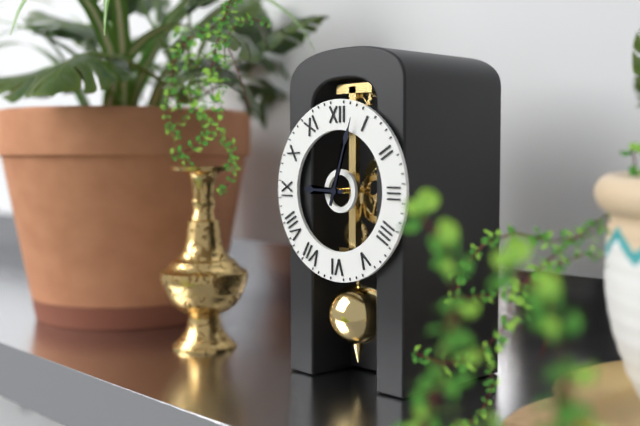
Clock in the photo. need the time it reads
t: 9:03
